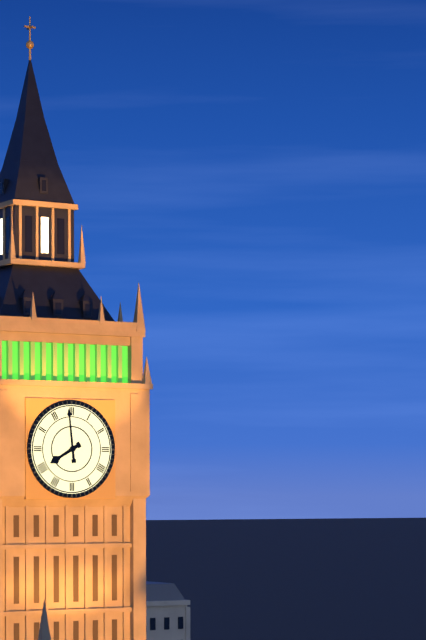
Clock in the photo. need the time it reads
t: 7:59
